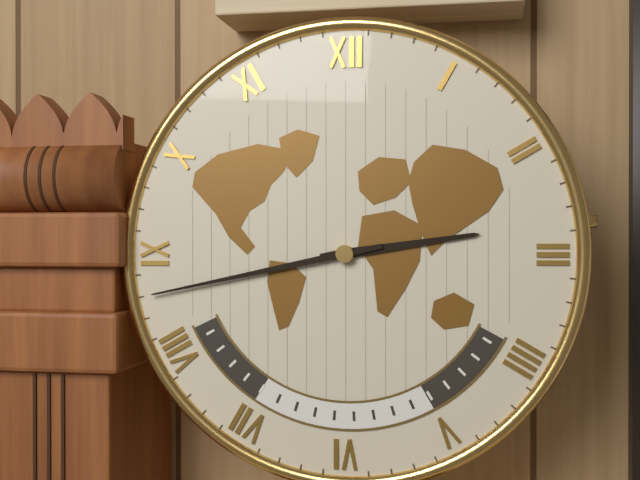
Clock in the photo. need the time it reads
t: 2:43
